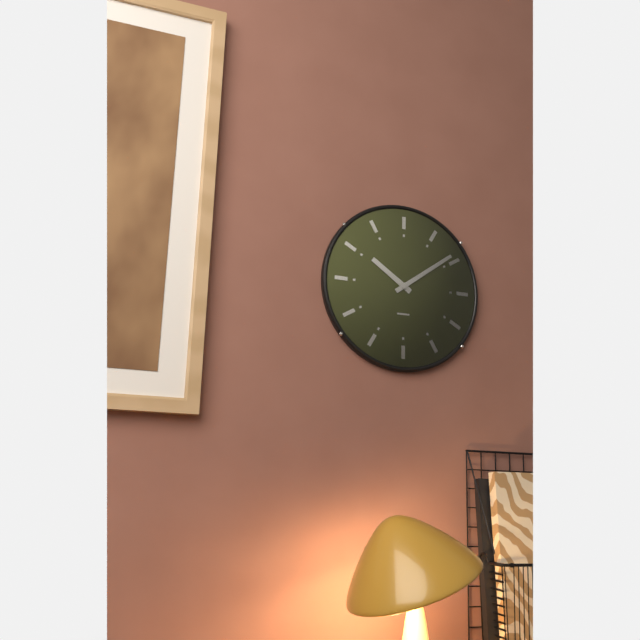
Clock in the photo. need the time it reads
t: 10:09
